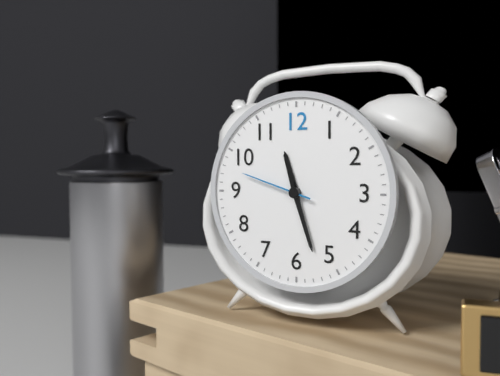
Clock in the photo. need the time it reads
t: 11:27:48
